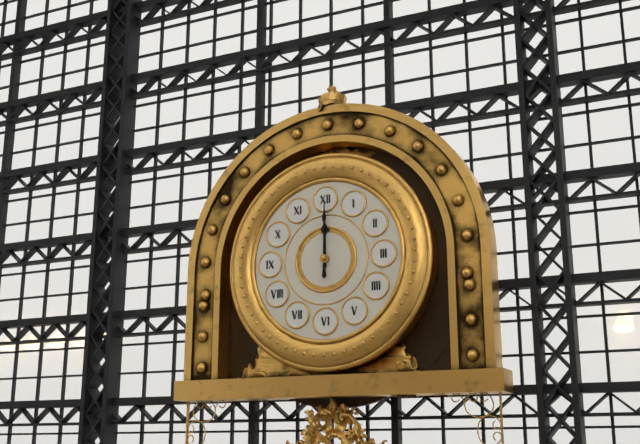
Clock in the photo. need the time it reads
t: 12:00
